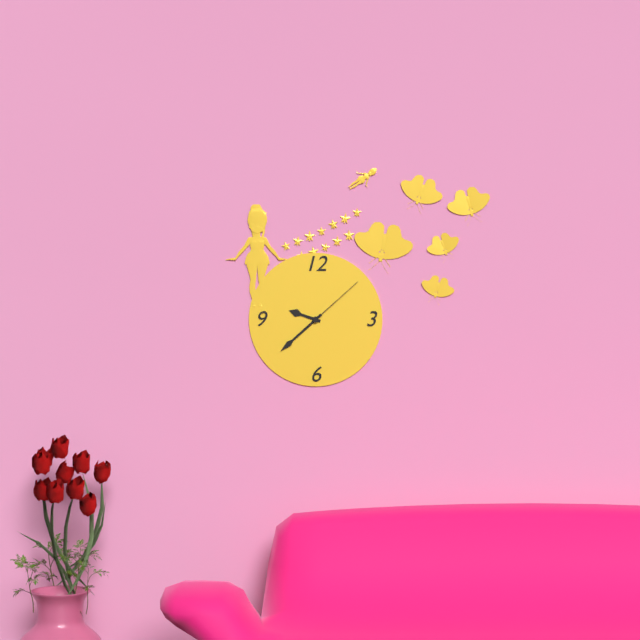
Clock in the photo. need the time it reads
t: 9:38:08
